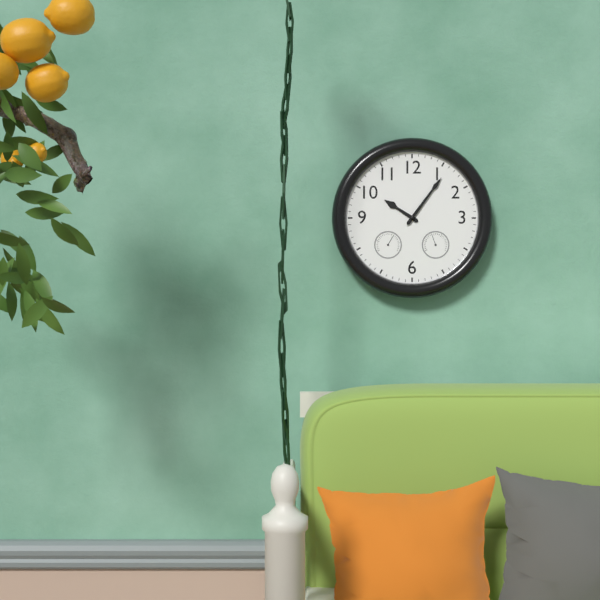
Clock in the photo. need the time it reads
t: 10:06
